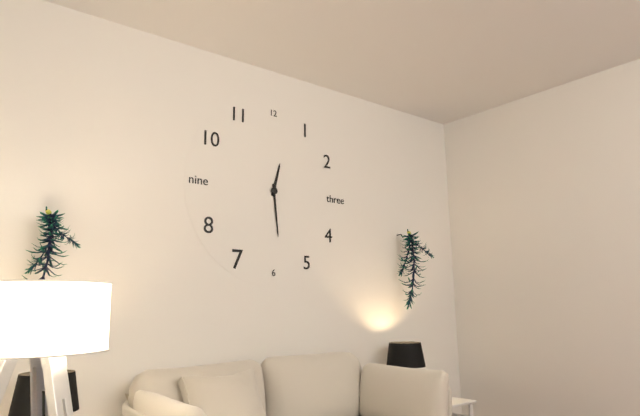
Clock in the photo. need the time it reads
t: 12:29
